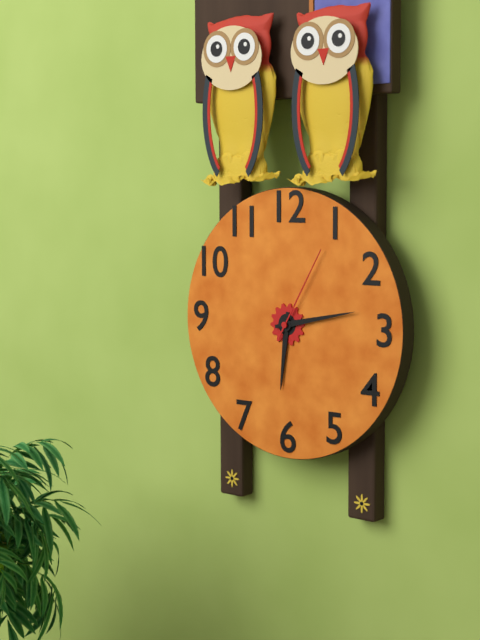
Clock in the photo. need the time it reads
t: 6:13:05
